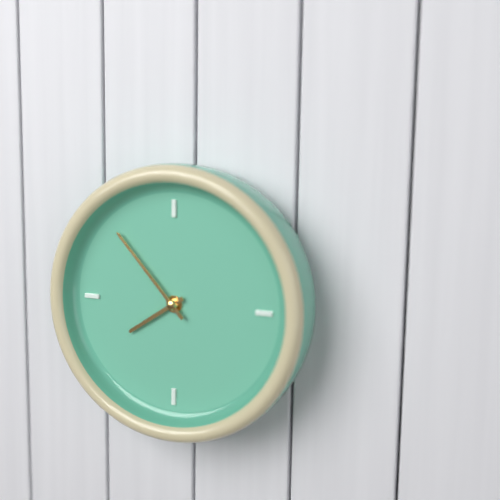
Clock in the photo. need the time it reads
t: 7:53
